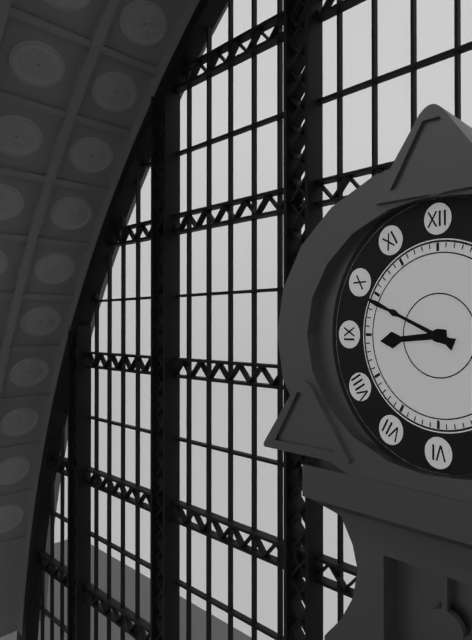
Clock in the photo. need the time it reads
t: 8:49
